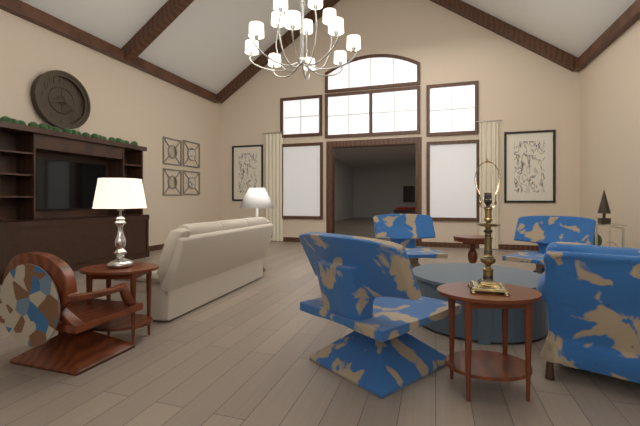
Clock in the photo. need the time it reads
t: 8:22
